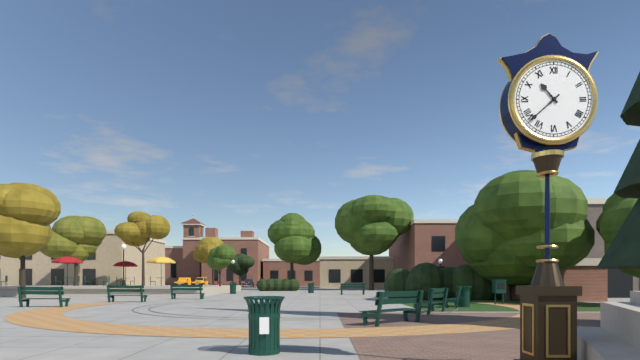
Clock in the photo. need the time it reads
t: 10:38
